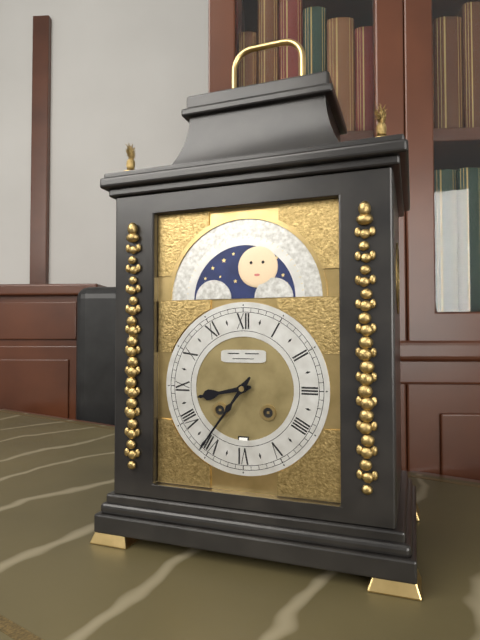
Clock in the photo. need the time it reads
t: 8:36
